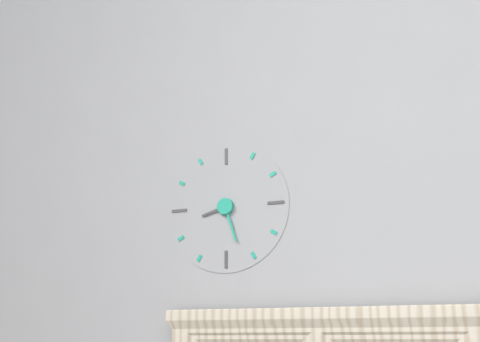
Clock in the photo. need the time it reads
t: 8:27
